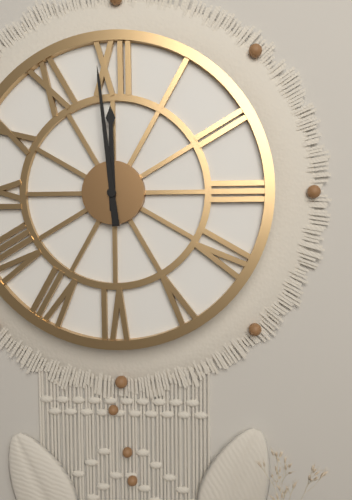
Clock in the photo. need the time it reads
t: 11:59
